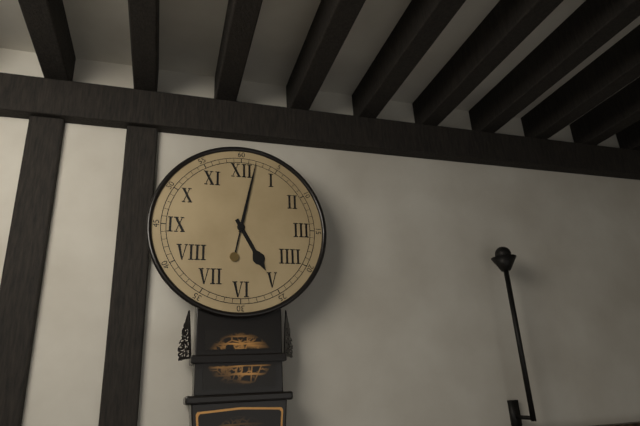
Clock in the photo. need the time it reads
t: 5:02
